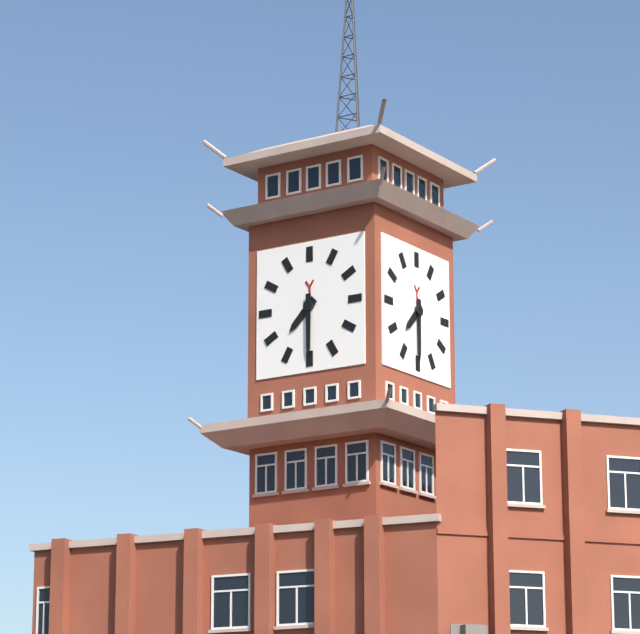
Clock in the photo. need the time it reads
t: 7:30
